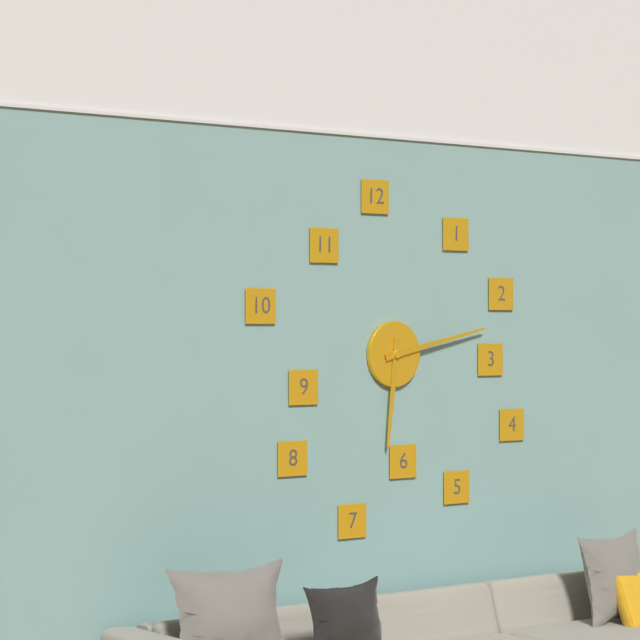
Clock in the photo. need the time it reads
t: 6:13
